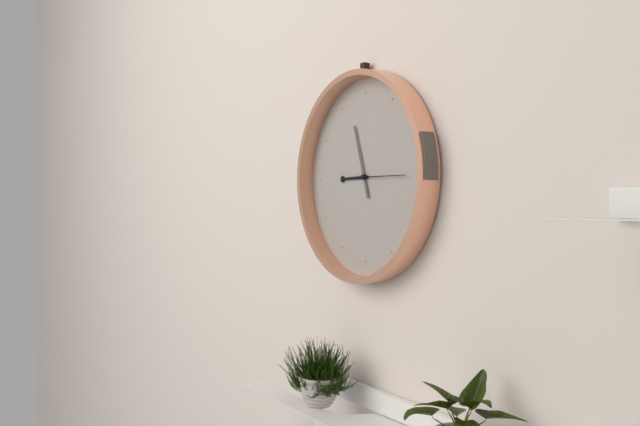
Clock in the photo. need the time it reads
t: 8:57
